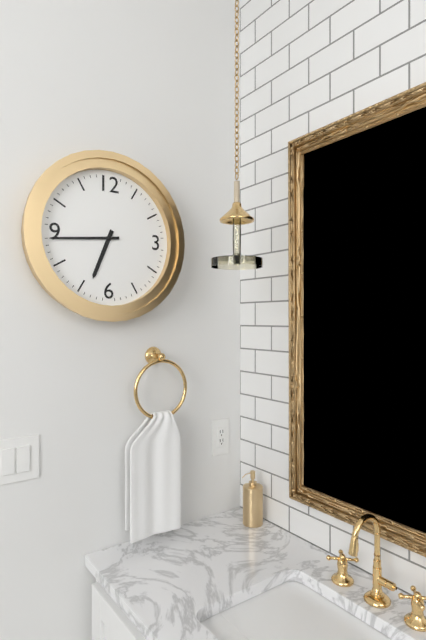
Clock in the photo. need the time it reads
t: 6:44
